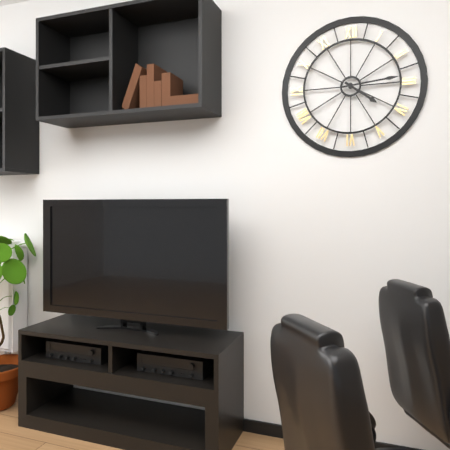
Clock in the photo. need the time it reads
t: 4:14
